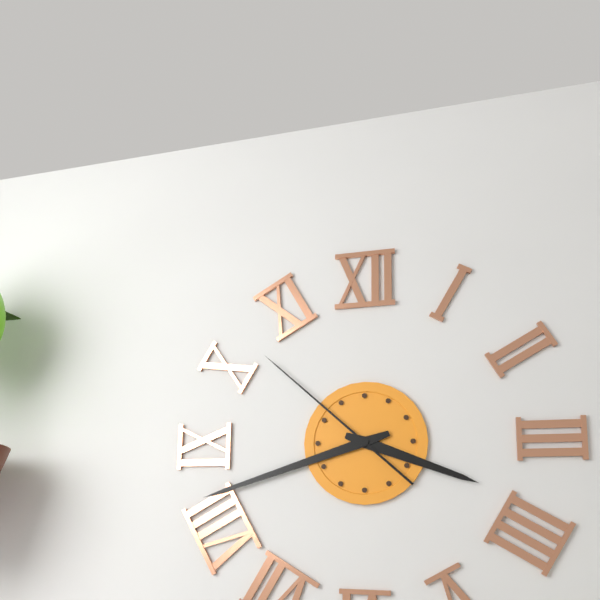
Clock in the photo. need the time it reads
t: 3:42:52
